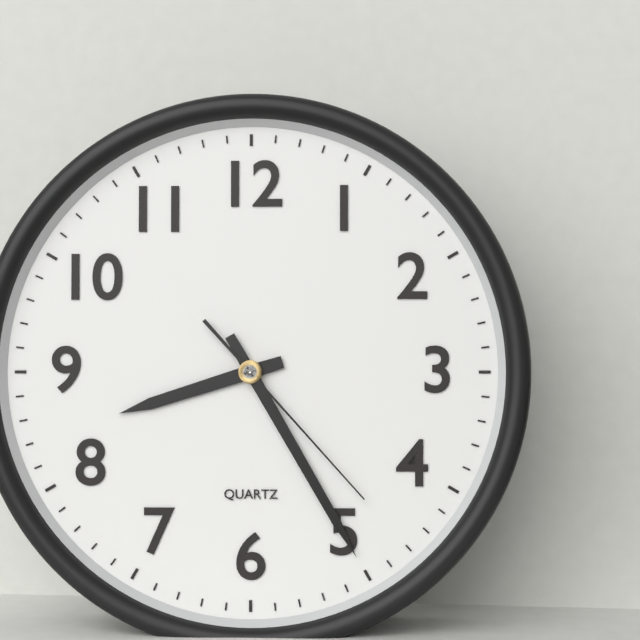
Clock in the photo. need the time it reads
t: 8:25:23
